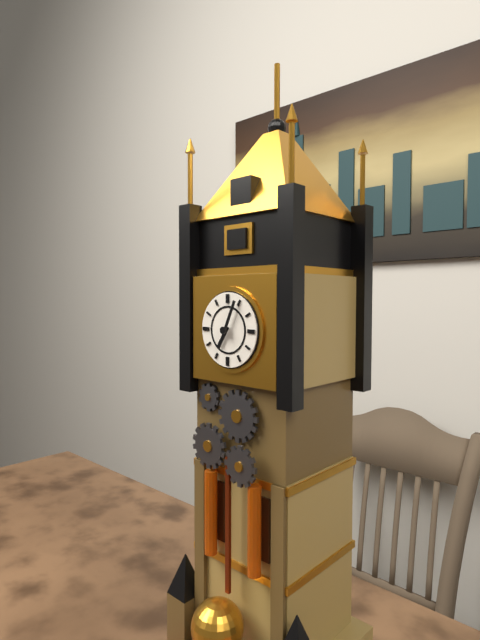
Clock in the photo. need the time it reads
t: 7:04
